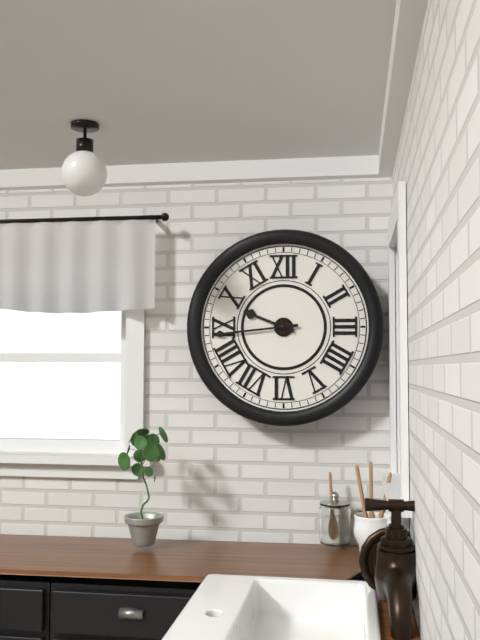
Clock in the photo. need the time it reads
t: 9:44
